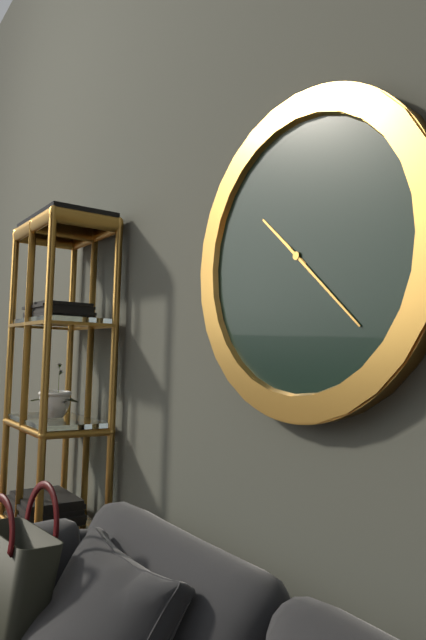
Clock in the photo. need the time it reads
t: 10:22
